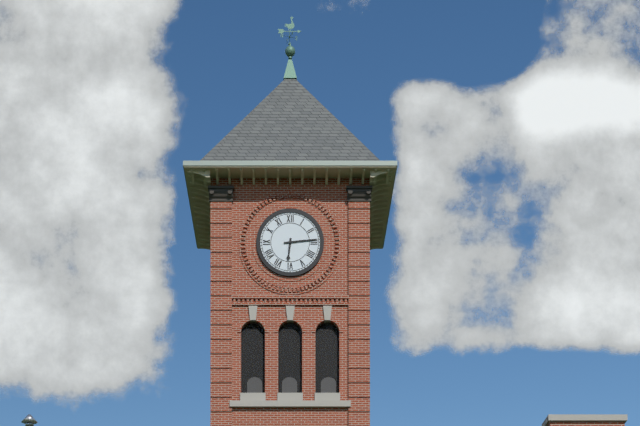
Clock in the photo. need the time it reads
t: 6:14
